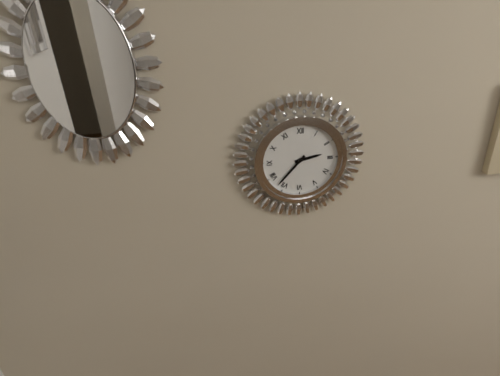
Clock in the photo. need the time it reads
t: 2:37
